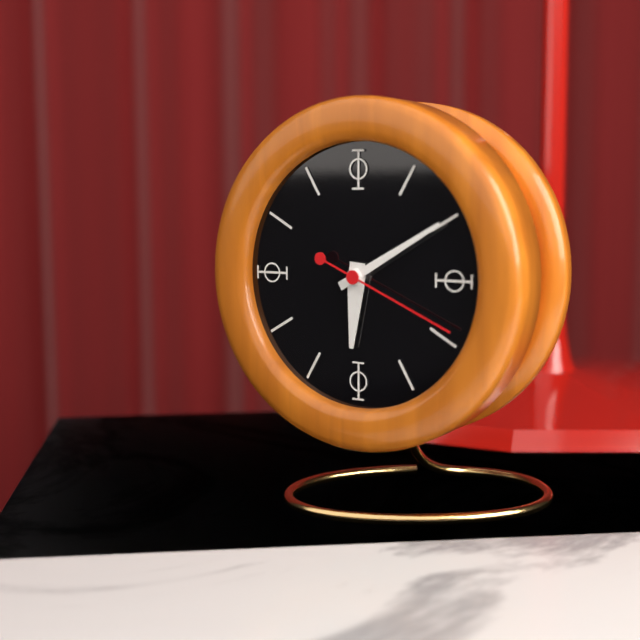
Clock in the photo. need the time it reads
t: 6:10:19
